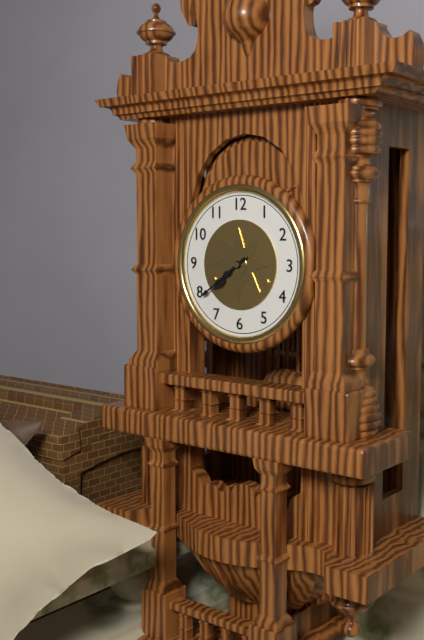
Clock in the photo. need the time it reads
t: 7:39
